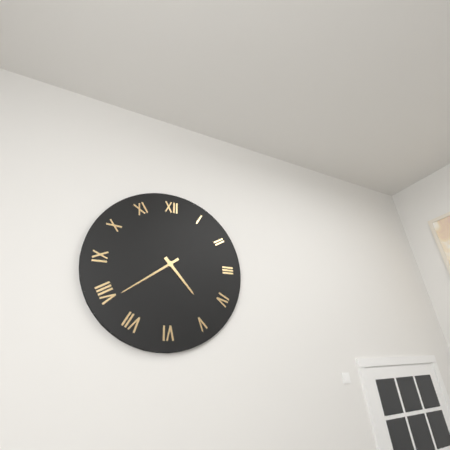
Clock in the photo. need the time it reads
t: 4:39
